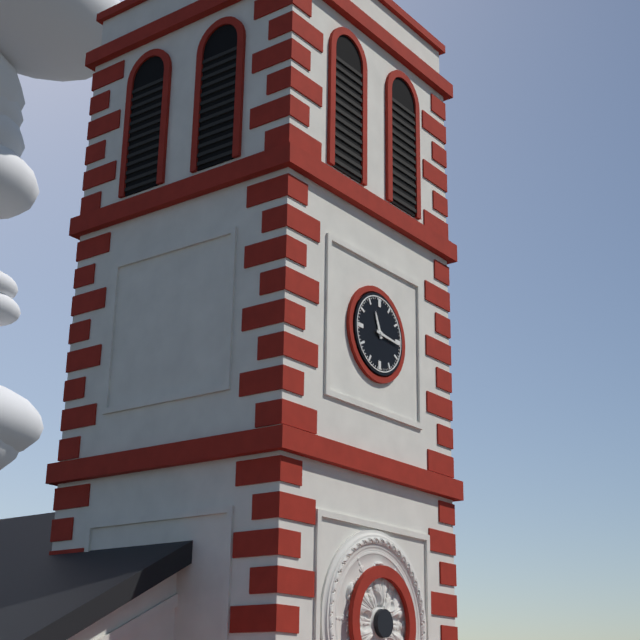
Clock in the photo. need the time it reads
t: 11:16
